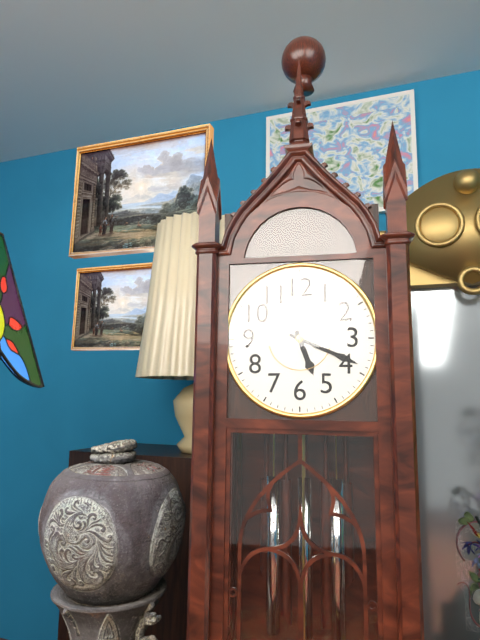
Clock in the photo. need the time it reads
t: 5:19
